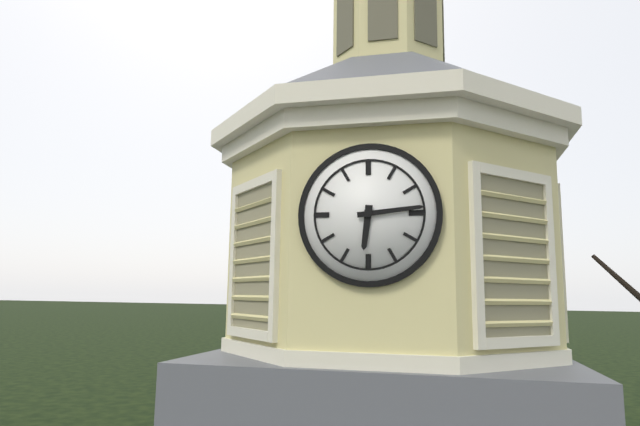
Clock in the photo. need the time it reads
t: 6:14
